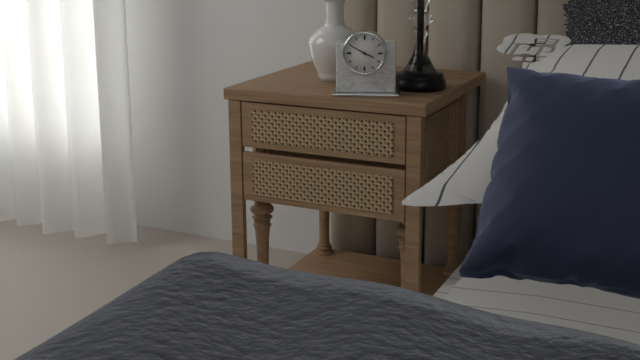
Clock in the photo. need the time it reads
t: 3:50
